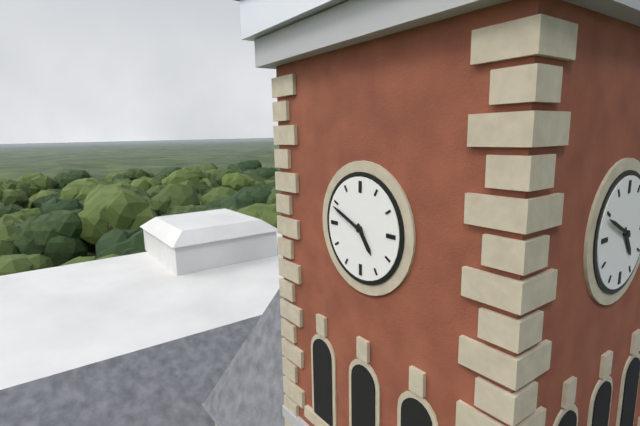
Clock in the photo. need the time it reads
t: 4:49
